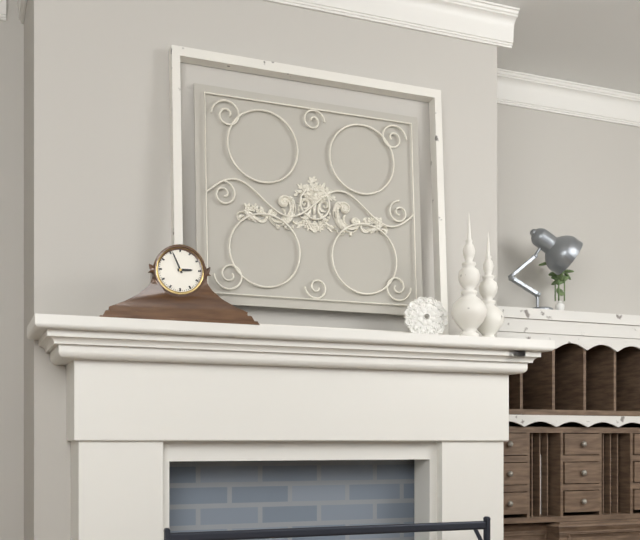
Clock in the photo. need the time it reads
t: 2:56
